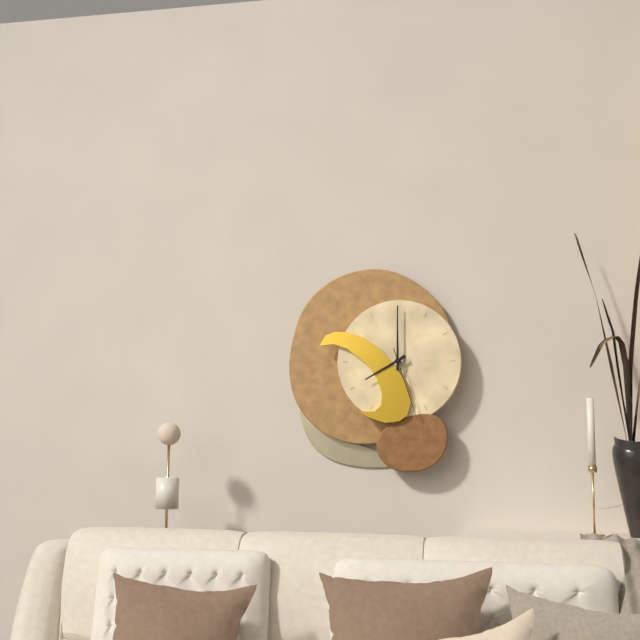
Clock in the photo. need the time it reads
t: 8:00:27
